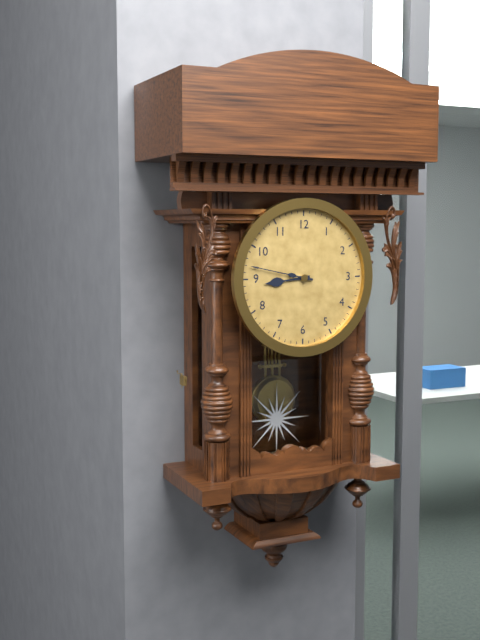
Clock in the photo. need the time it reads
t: 8:47
